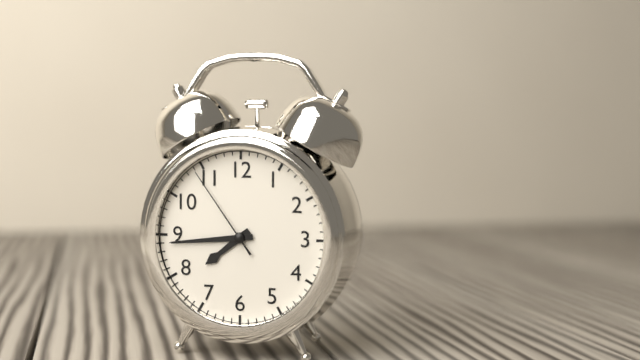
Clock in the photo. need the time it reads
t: 7:44:54
